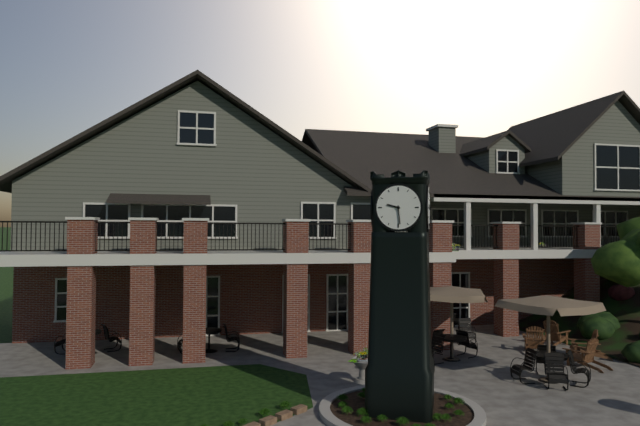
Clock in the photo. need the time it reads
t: 9:29
